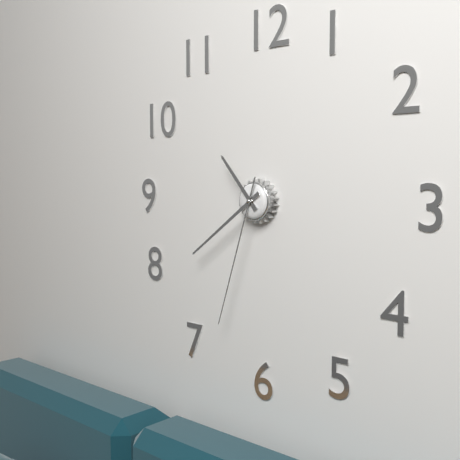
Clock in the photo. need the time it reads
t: 10:39:33
